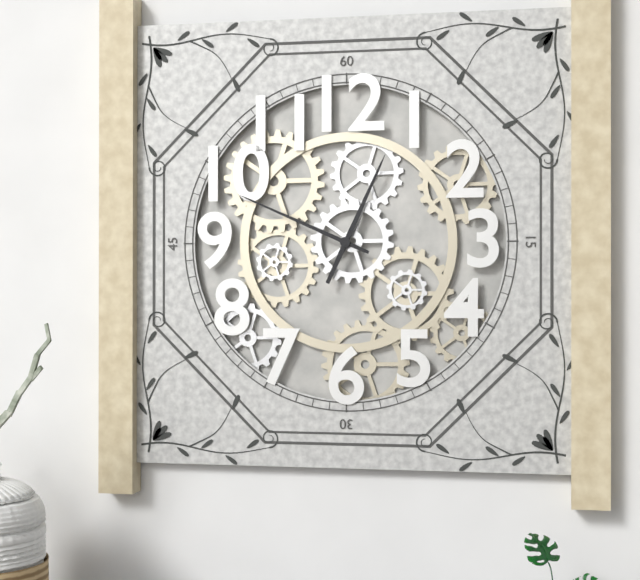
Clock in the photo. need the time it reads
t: 12:49
